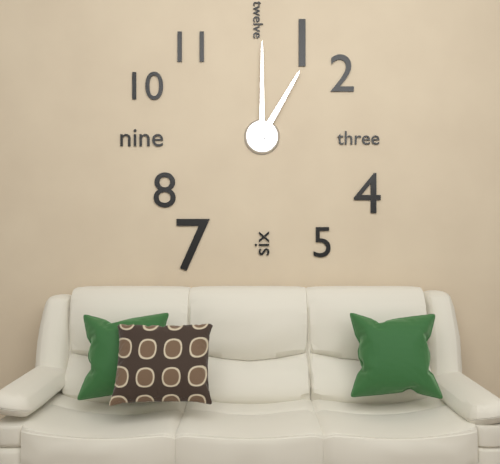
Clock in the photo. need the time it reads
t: 1:00
